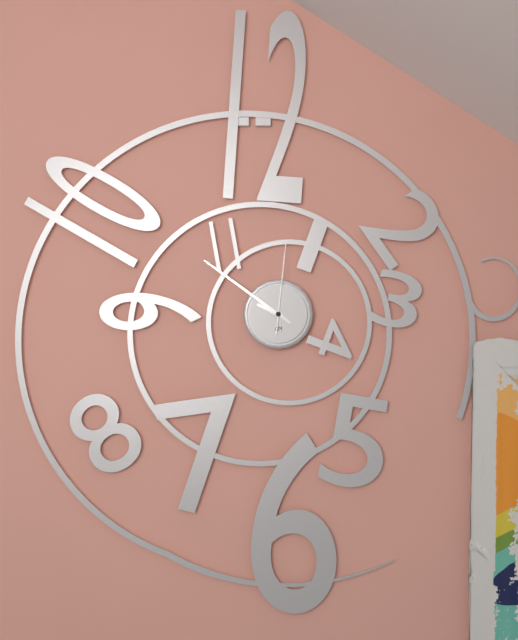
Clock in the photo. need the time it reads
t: 9:51:01
